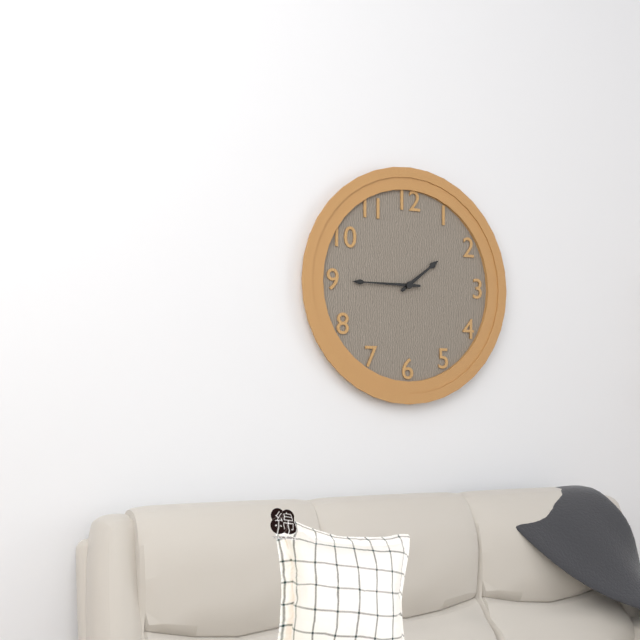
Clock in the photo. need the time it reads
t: 1:45
